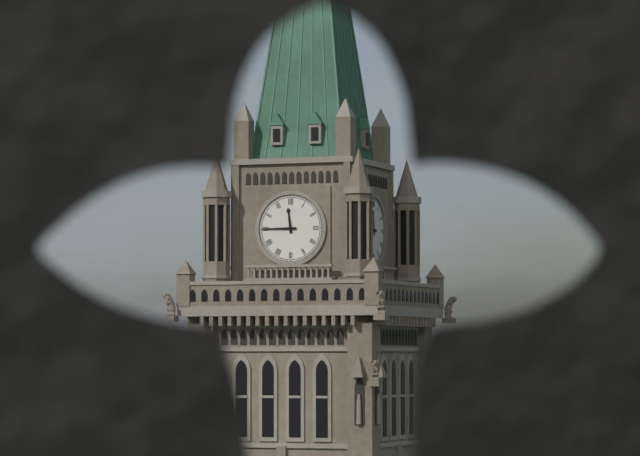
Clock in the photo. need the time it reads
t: 11:45
